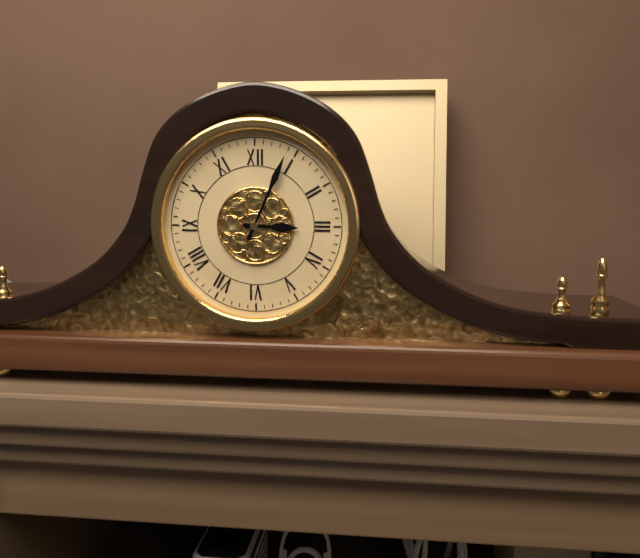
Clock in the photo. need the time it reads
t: 3:04
